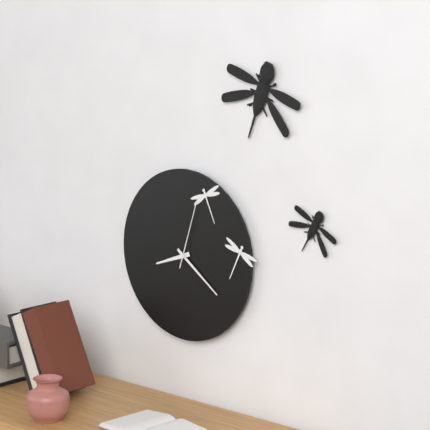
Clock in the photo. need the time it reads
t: 8:21:03
